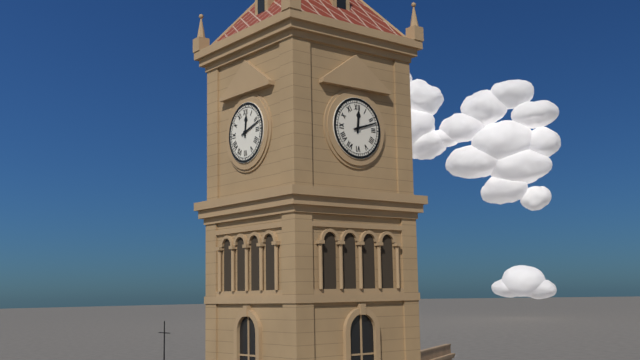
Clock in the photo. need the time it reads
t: 12:12
